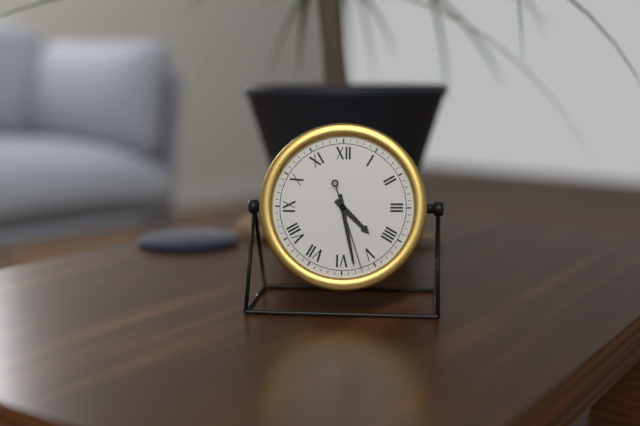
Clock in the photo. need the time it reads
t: 4:28:27
